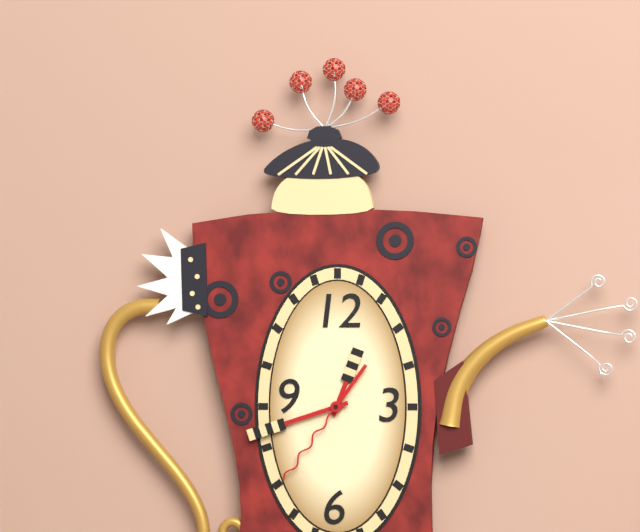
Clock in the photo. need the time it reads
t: 12:42:36
